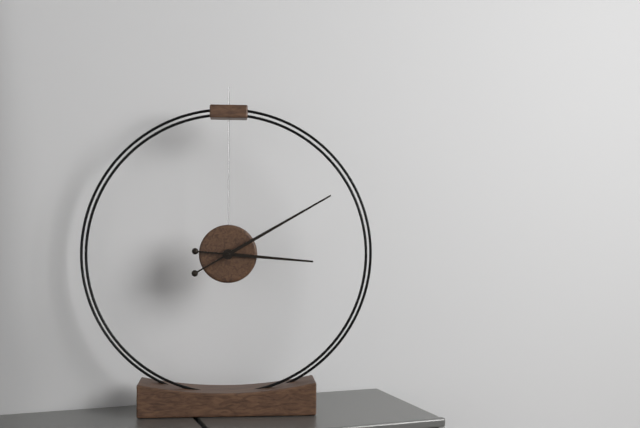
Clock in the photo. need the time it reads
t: 3:10
